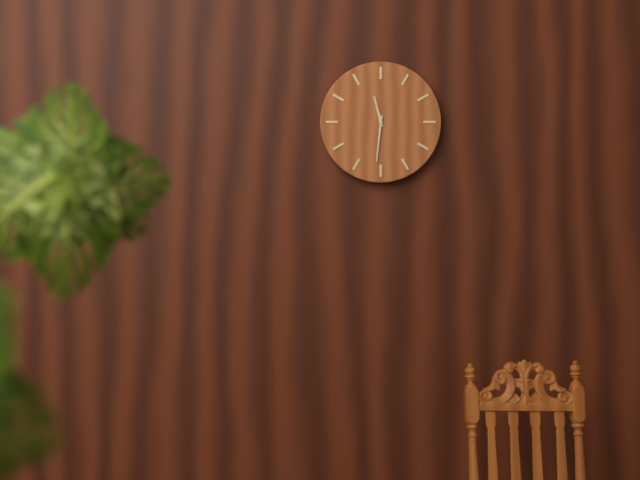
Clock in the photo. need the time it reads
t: 11:31
